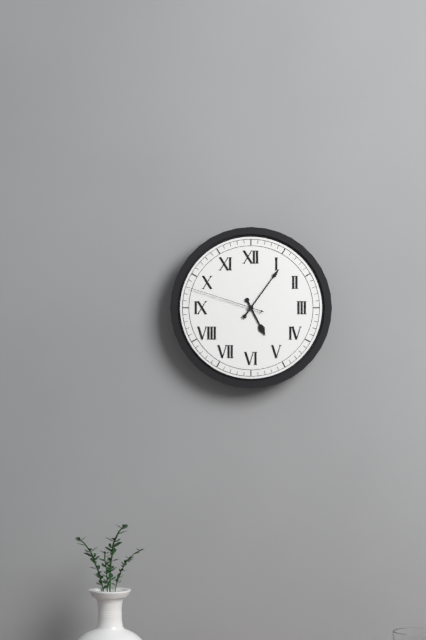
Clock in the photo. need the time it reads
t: 5:06:48
